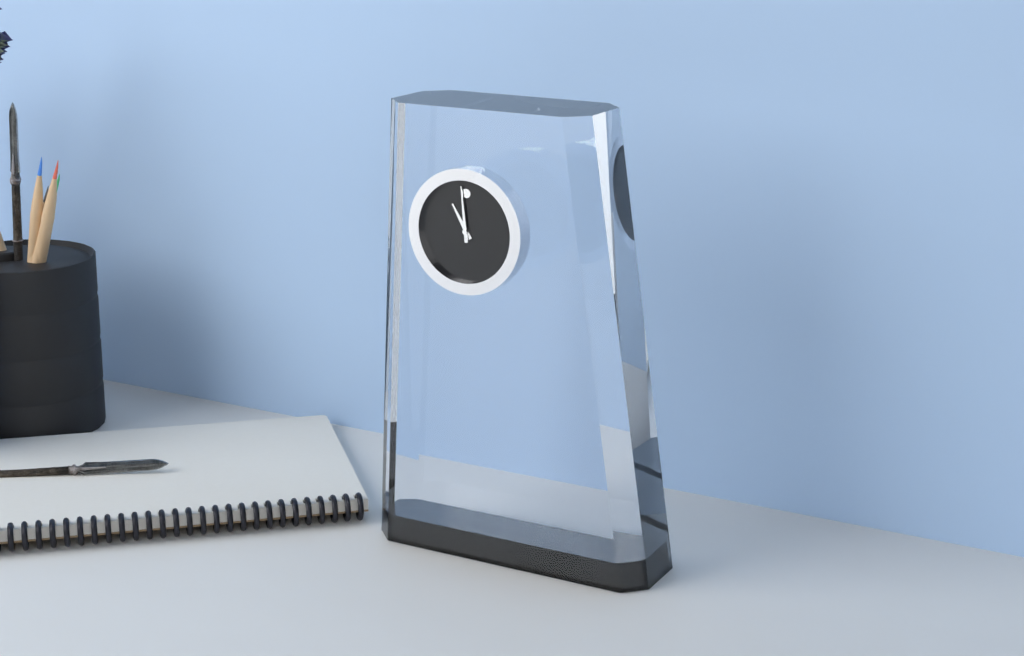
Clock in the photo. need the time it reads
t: 10:59
